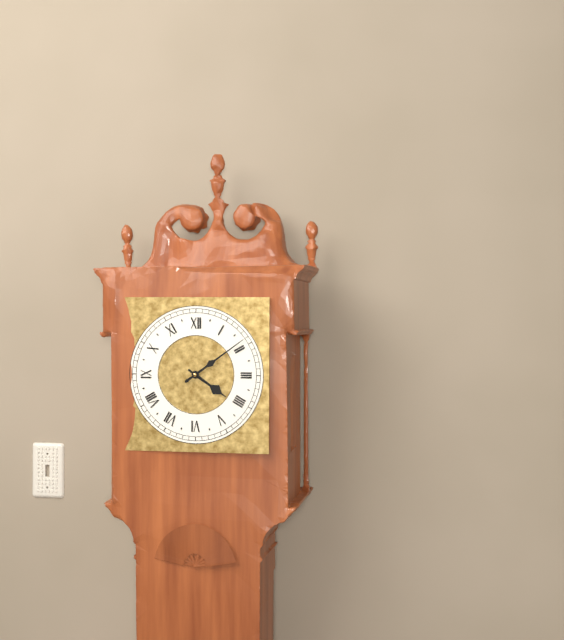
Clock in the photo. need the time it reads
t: 4:09
